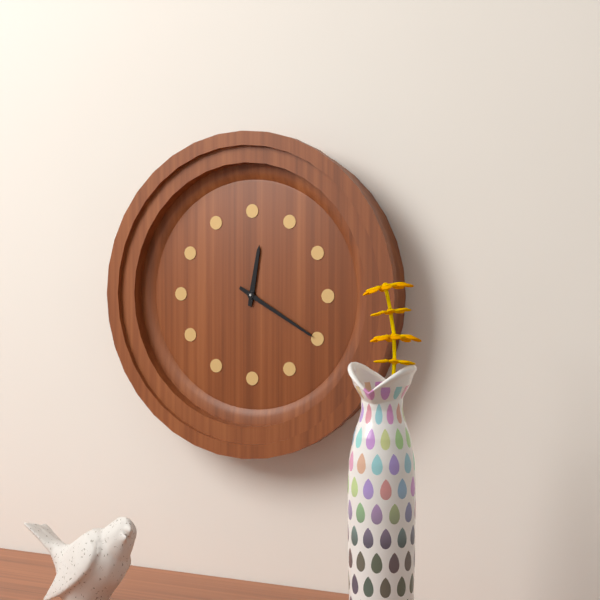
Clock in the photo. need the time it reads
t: 12:20
